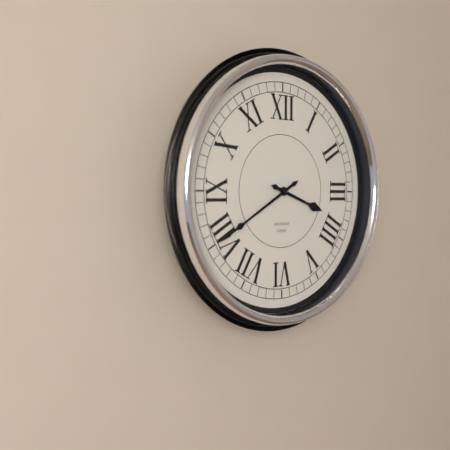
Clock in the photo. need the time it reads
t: 3:40
